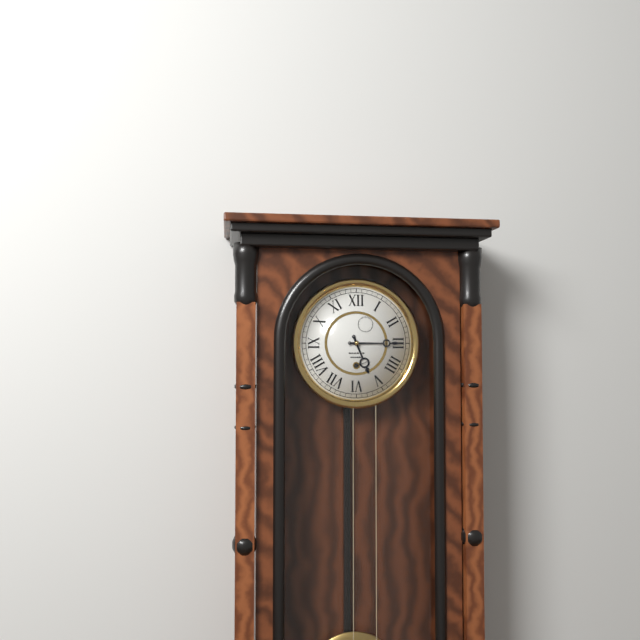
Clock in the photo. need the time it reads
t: 5:15
